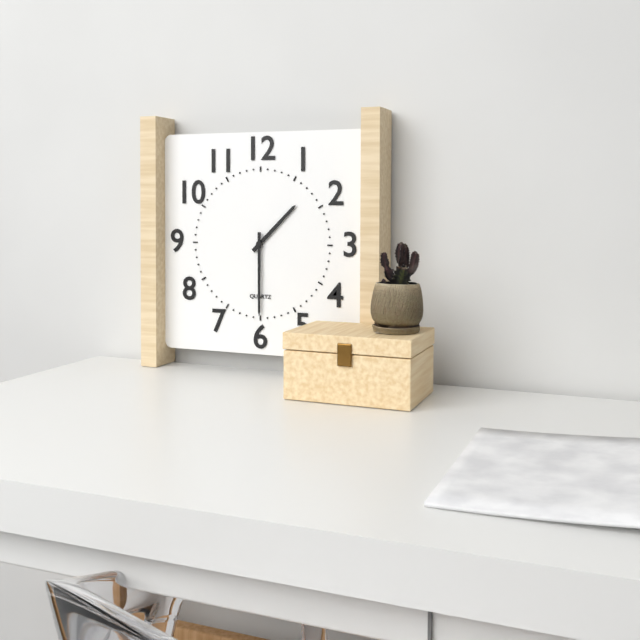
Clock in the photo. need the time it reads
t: 1:30
